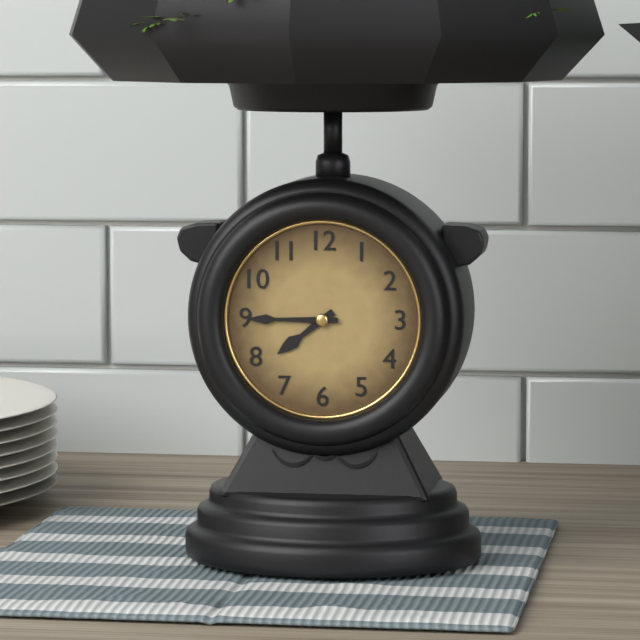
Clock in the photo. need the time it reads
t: 7:45
